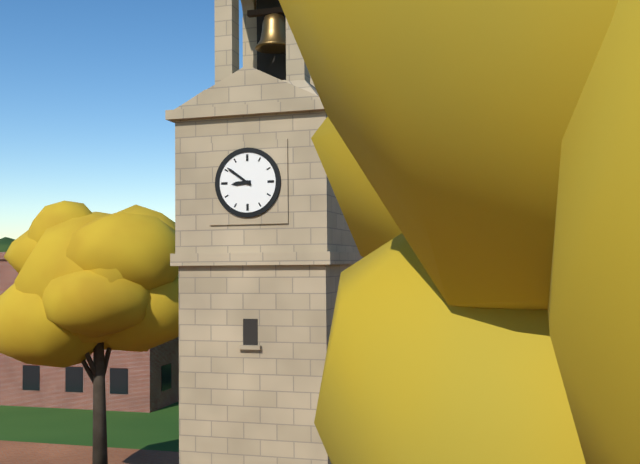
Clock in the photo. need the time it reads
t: 8:51
